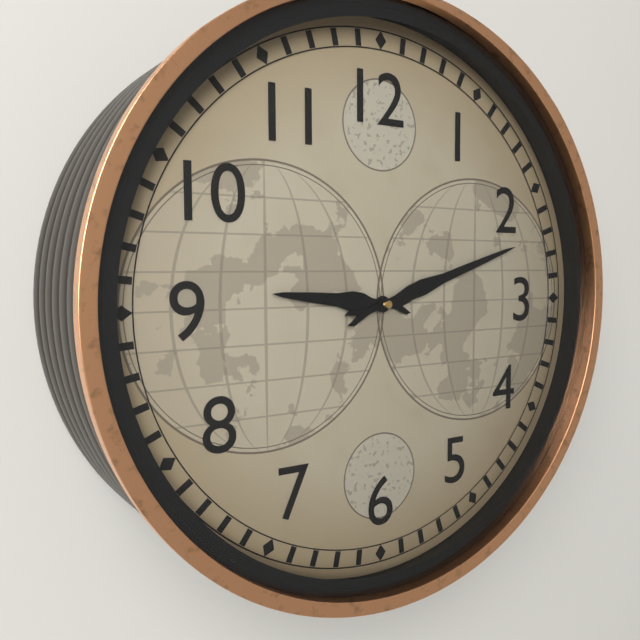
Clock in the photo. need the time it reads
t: 9:12
